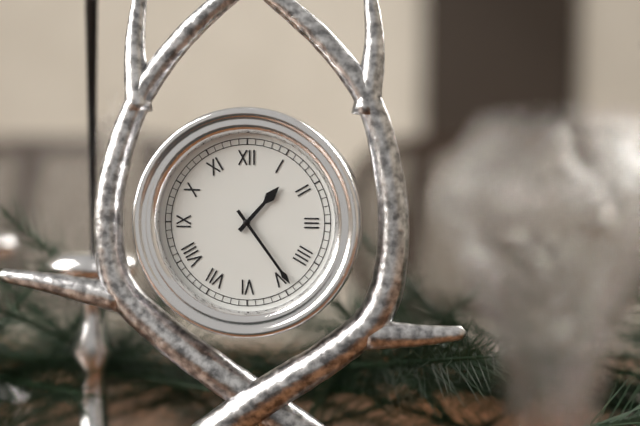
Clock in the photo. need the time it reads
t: 1:24
